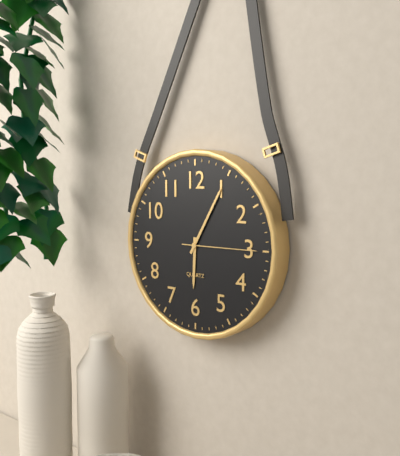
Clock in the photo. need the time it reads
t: 6:05:15
